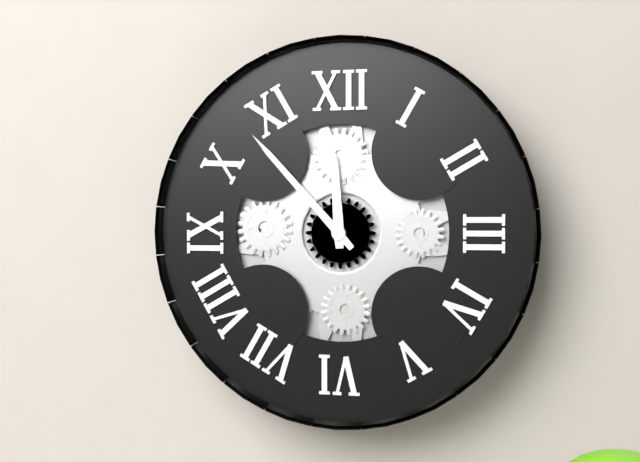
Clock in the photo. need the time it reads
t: 11:53
